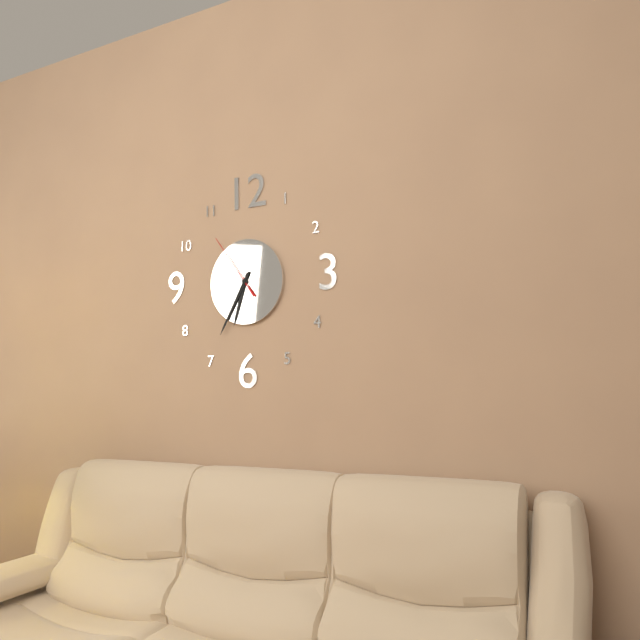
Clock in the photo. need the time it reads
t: 6:35:54
